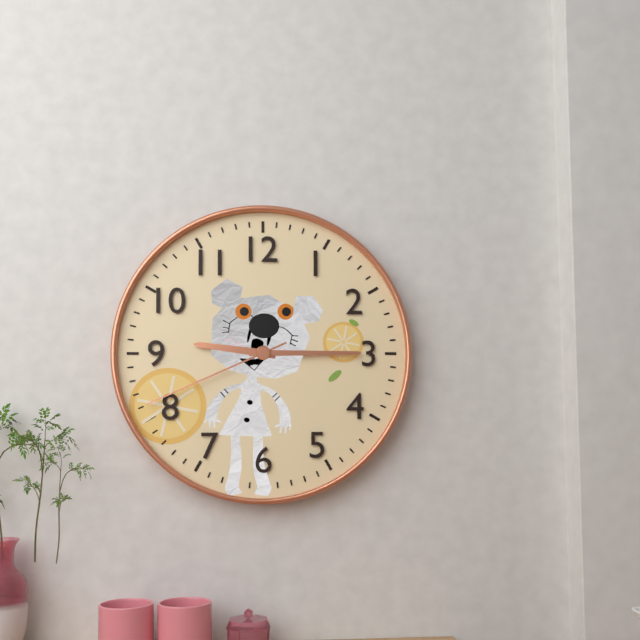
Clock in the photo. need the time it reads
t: 9:15:41
